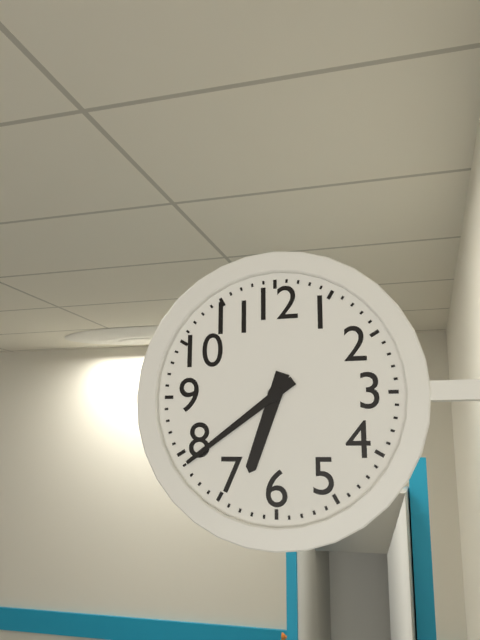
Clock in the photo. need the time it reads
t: 6:39
